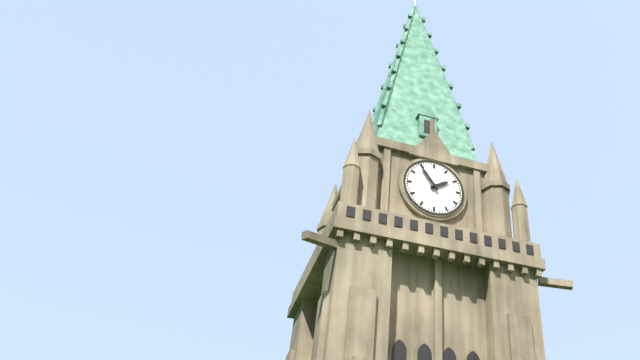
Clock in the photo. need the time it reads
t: 1:54
